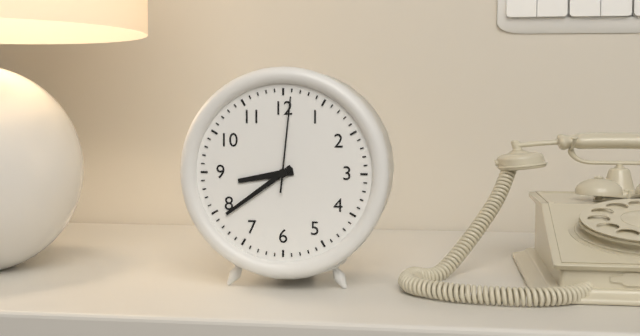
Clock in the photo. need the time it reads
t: 8:39:01
